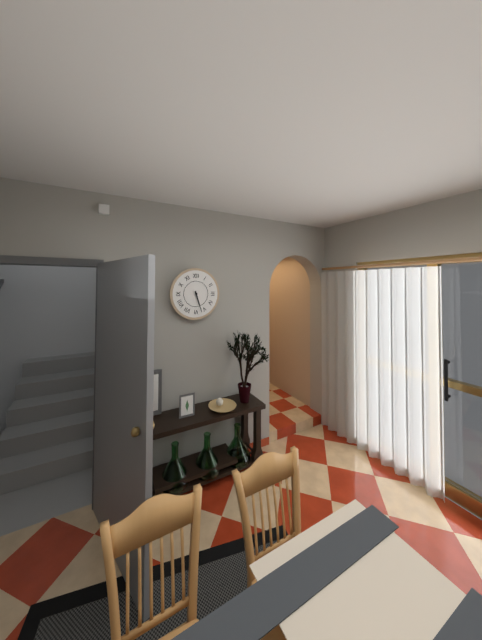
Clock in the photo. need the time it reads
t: 5:27
